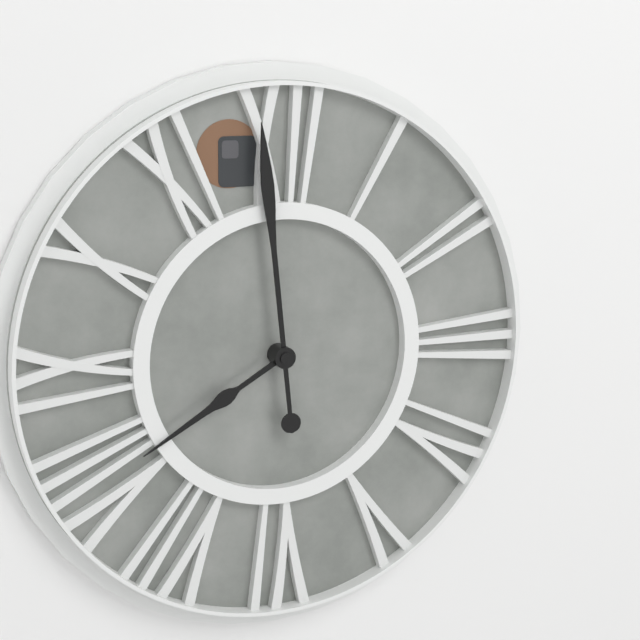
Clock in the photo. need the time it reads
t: 7:59
